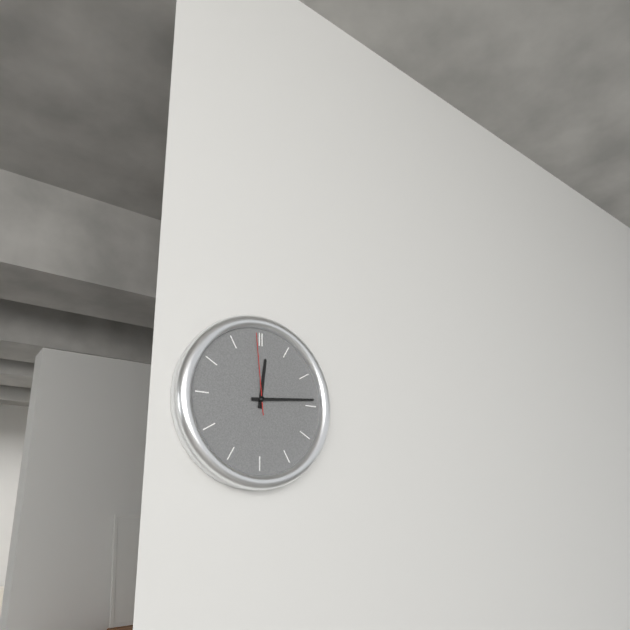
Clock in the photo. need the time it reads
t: 12:14:59
